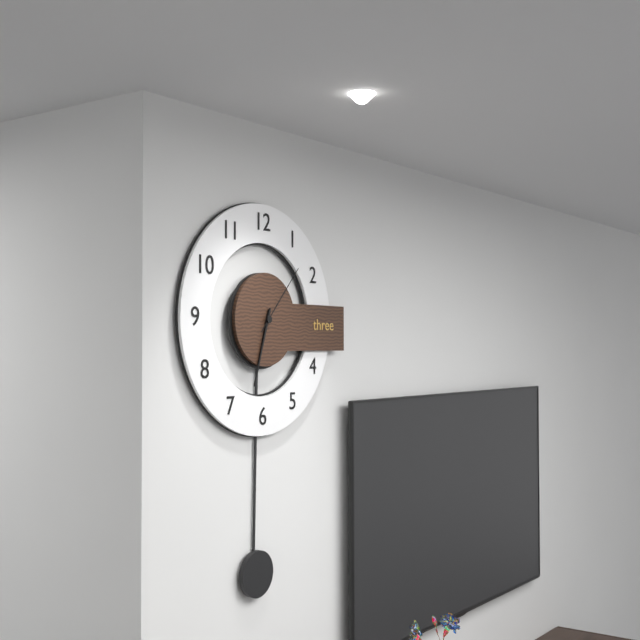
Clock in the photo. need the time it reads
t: 6:33:07
